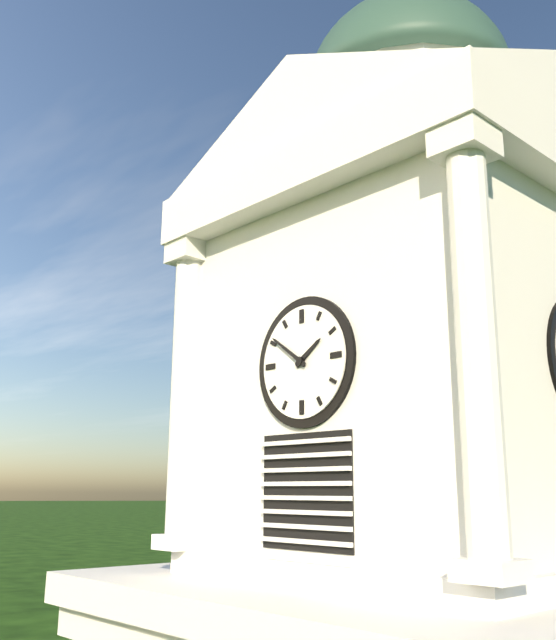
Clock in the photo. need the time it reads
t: 1:51
